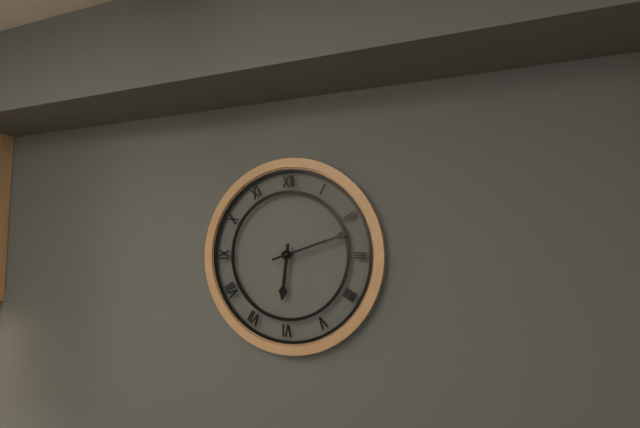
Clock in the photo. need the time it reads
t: 6:12
